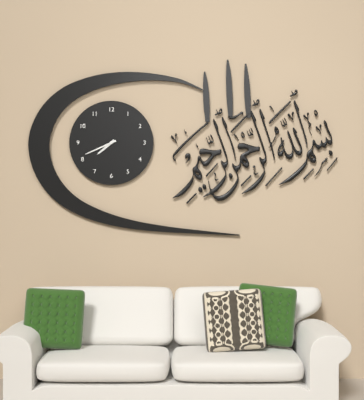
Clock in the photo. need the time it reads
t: 7:41
